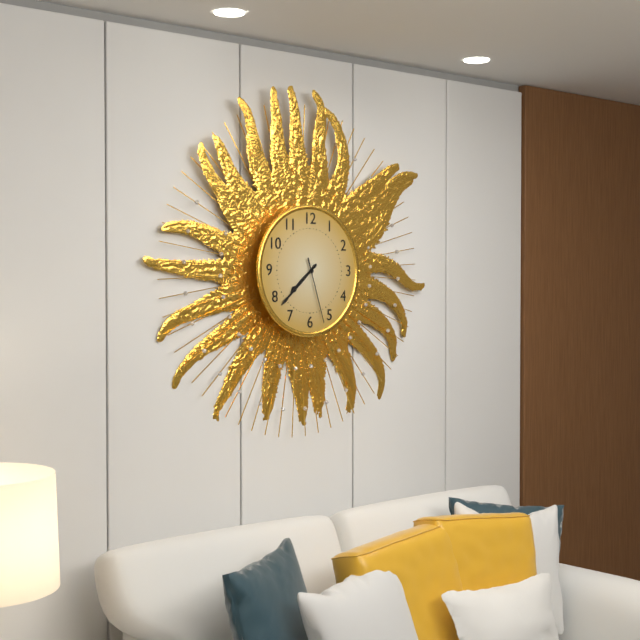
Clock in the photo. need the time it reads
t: 7:38:27
